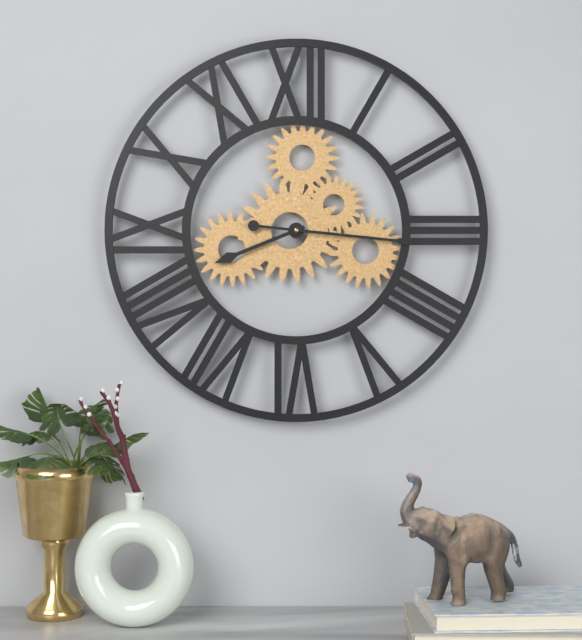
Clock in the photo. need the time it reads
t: 8:16
